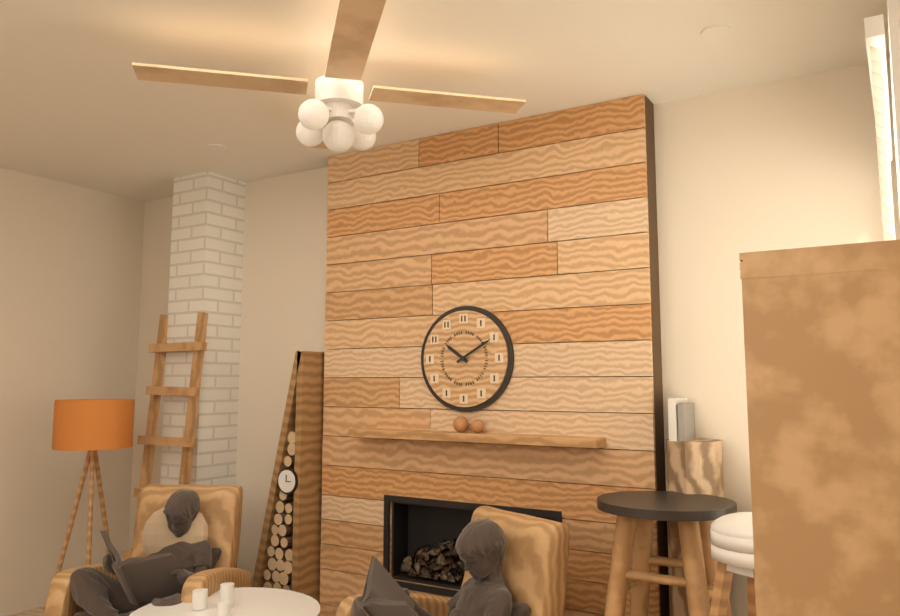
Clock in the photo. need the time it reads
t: 10:10
